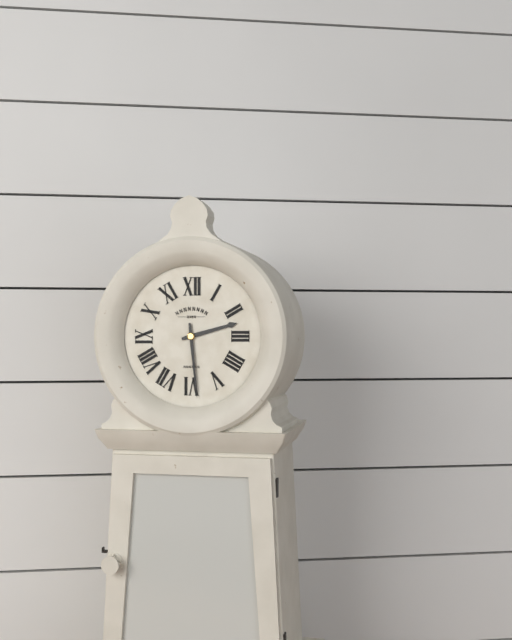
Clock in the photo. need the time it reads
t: 2:29
